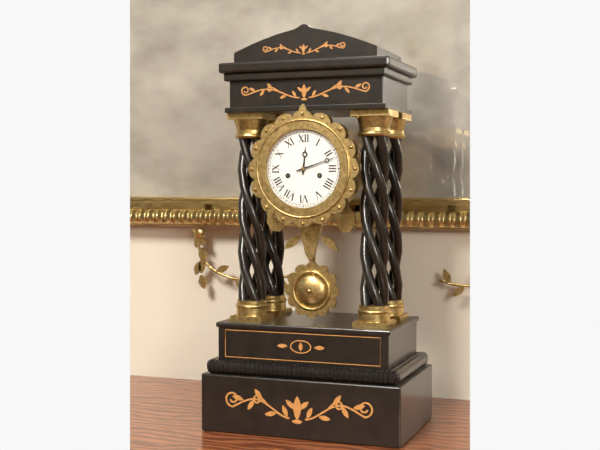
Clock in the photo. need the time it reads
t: 12:12
